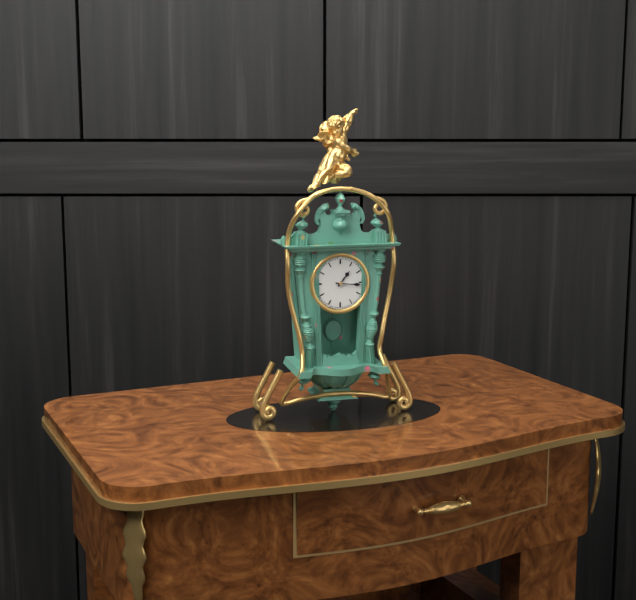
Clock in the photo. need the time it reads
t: 1:16
